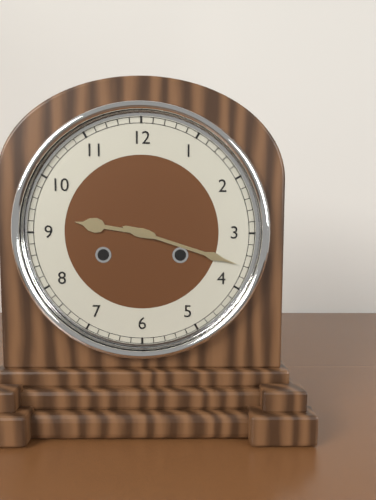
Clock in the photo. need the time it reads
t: 9:18
